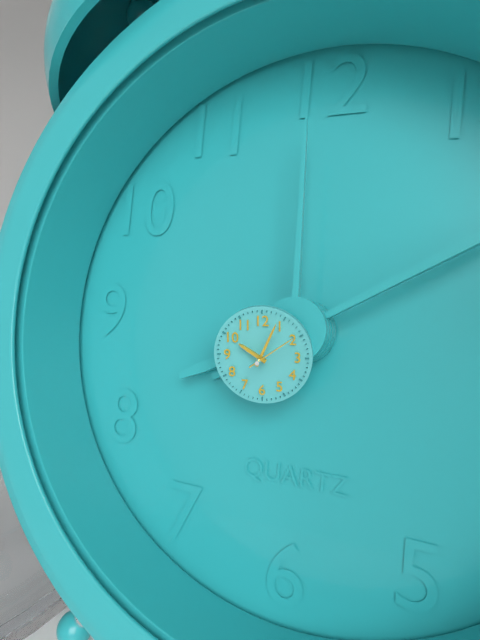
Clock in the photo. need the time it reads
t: 10:04
